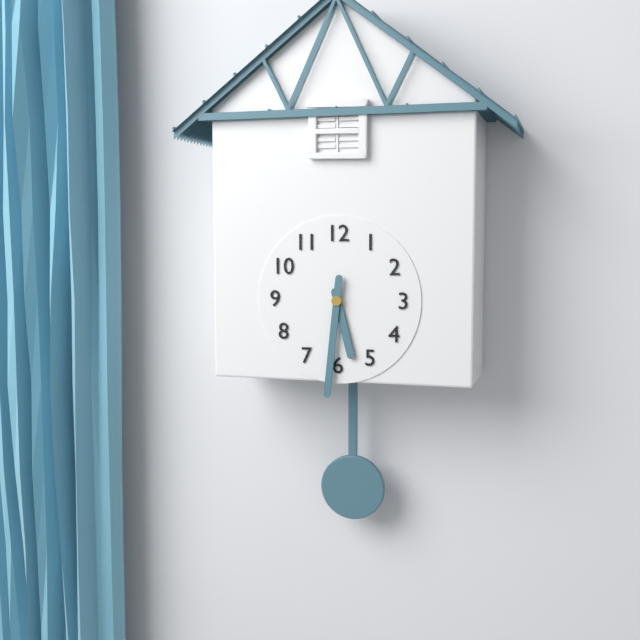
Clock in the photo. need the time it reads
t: 5:31
